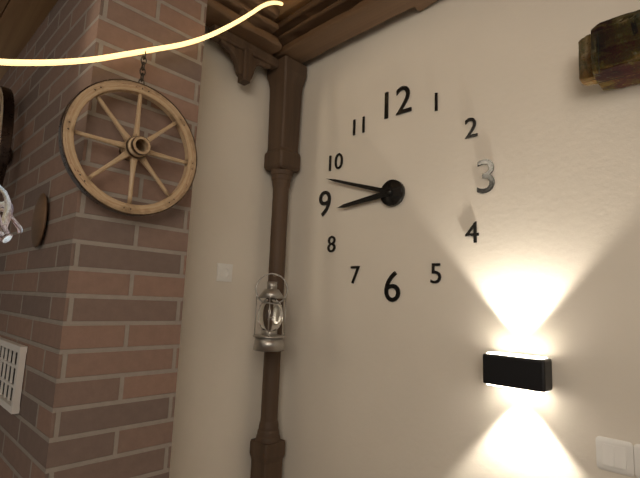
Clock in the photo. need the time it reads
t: 8:48
